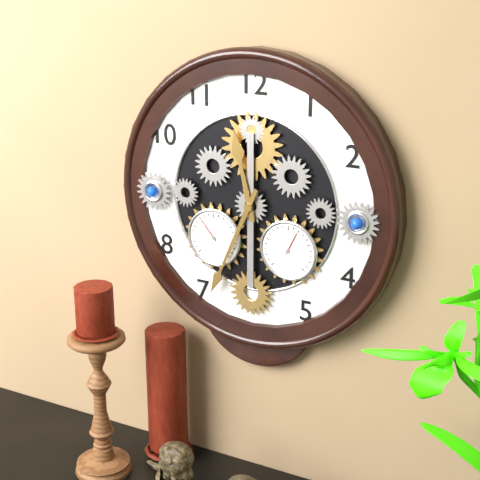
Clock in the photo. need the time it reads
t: 11:34
